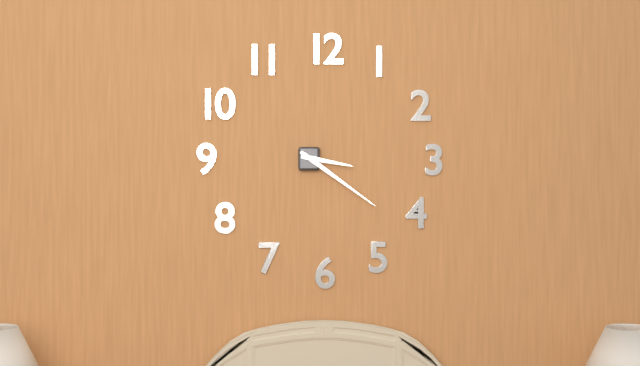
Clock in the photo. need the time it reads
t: 3:21
